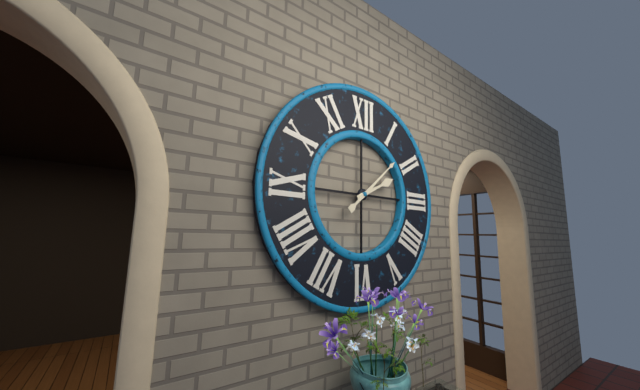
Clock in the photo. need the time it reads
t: 2:08
